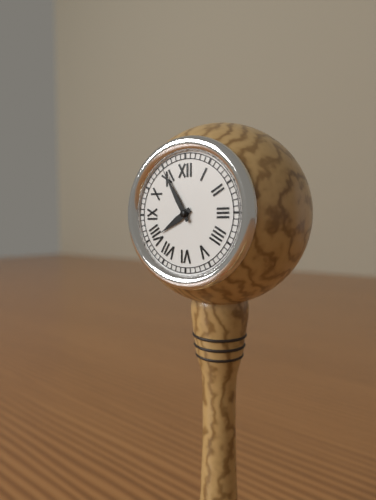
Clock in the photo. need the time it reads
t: 7:55
